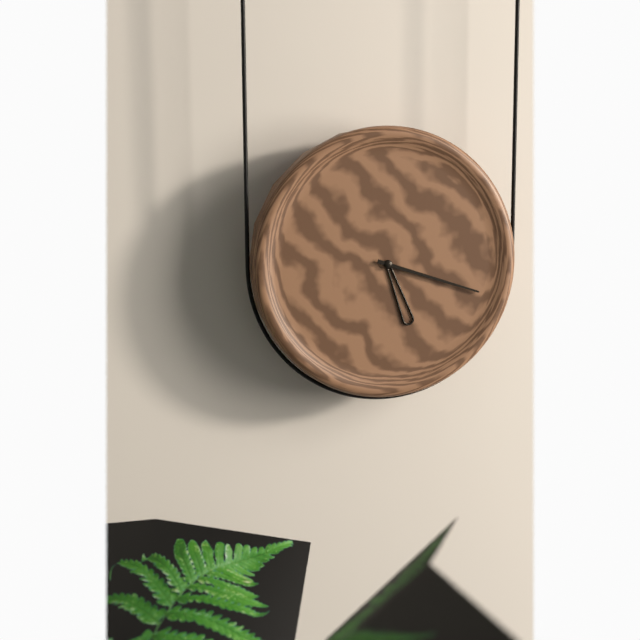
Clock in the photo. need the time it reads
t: 5:18
